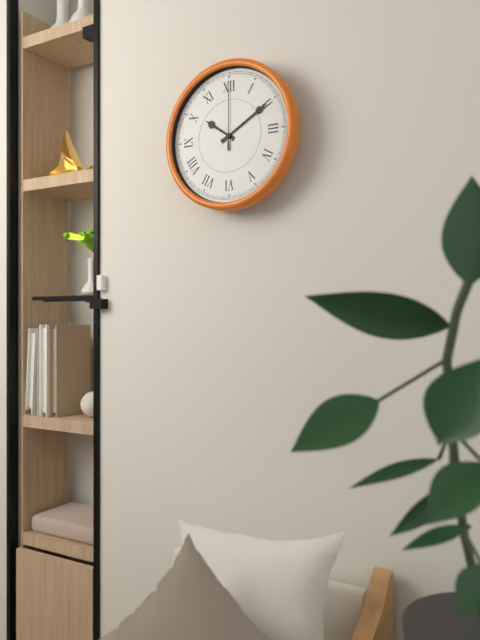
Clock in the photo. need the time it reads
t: 10:10:00
